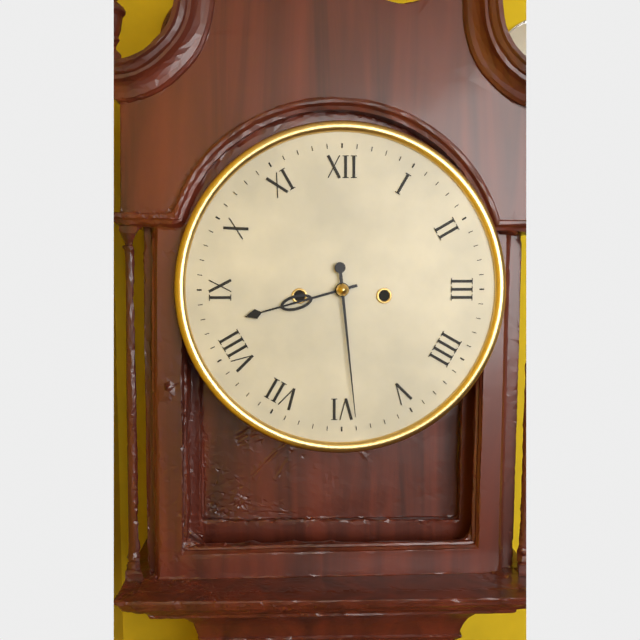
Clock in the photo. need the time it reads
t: 8:29
